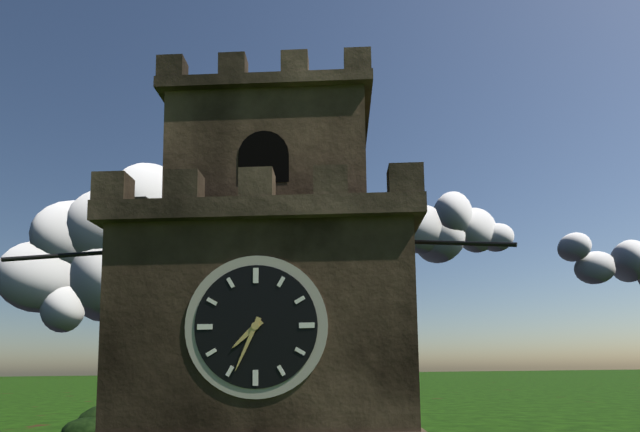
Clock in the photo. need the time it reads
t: 7:34
